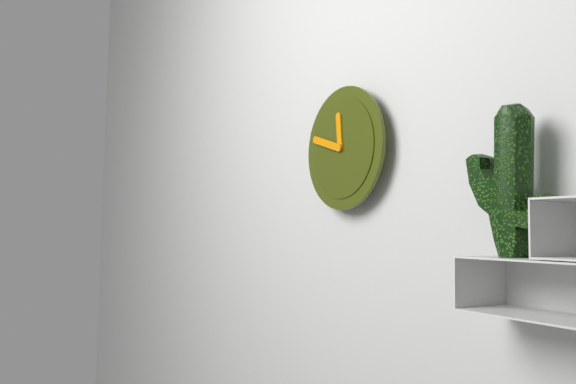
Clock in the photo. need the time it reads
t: 11:48
